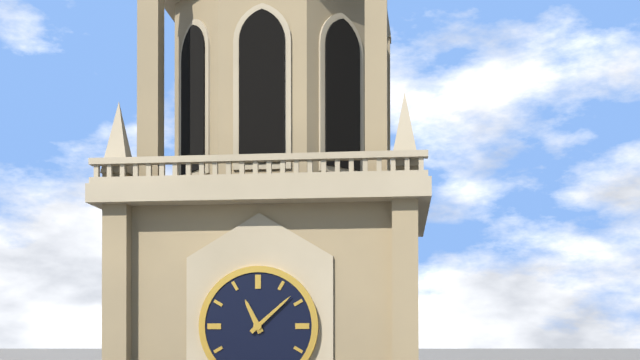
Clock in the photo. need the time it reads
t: 11:08
